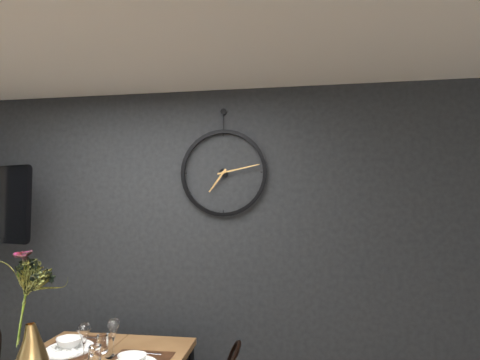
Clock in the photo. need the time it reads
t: 7:13
